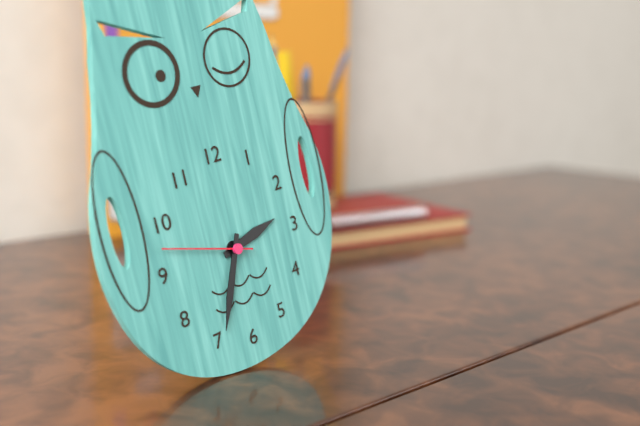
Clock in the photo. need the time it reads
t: 2:34:48
